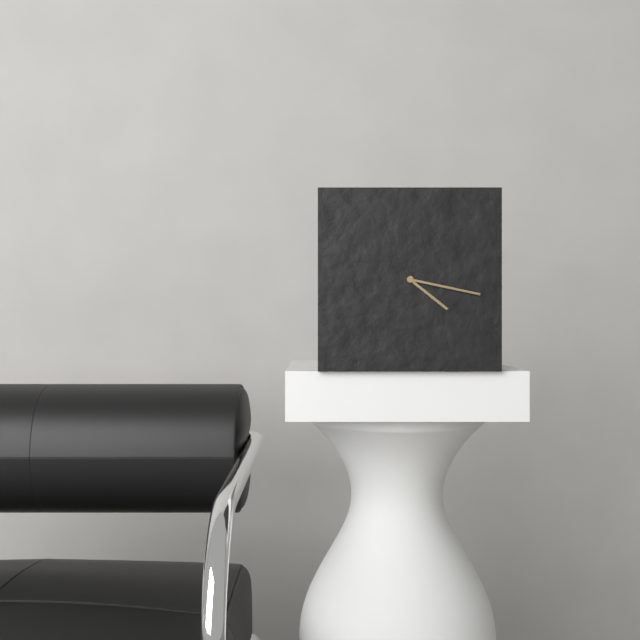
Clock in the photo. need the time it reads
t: 4:17
